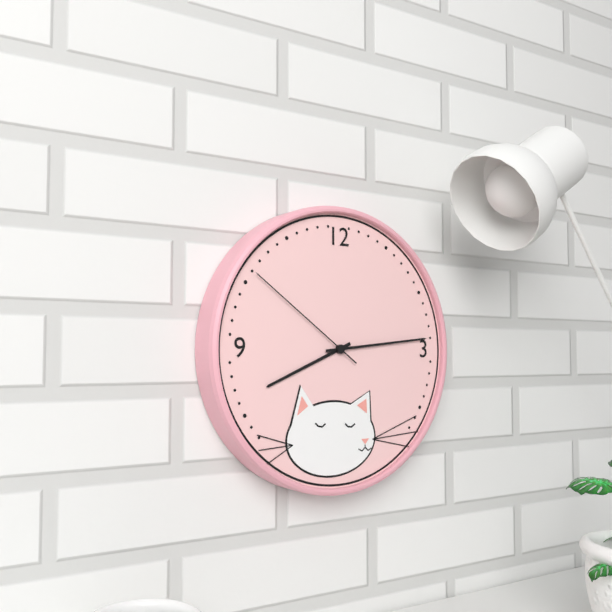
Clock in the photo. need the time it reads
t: 8:14:51
